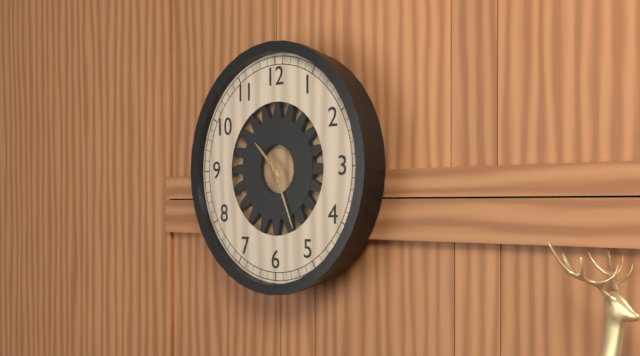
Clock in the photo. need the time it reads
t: 10:26
